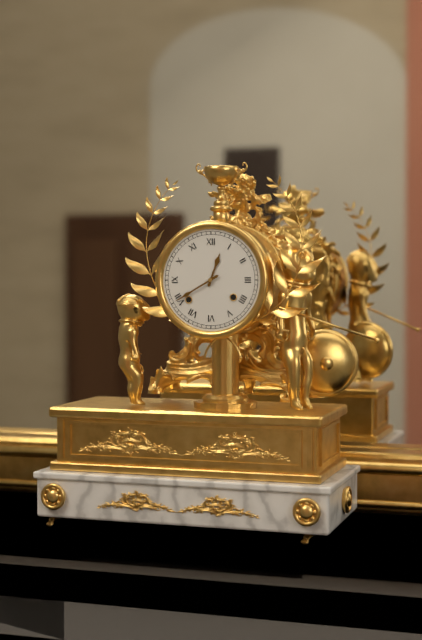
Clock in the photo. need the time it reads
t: 12:40
